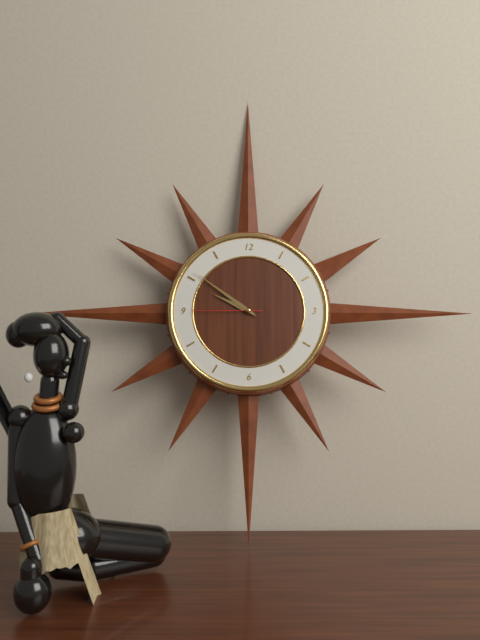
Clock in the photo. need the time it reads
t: 9:51:45
